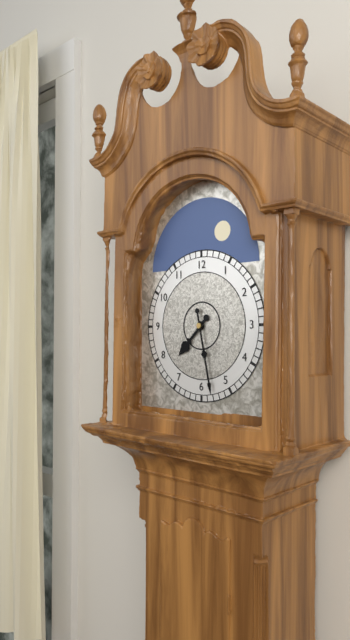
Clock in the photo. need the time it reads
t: 7:28
